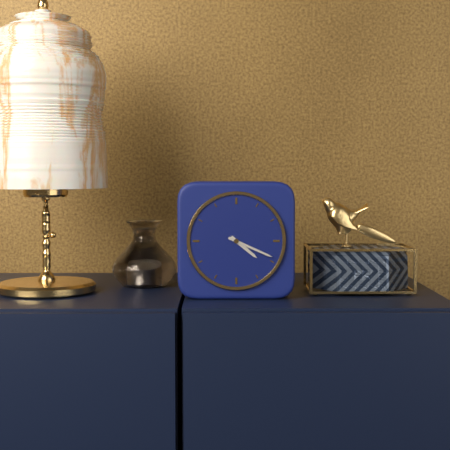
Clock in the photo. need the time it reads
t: 4:19
